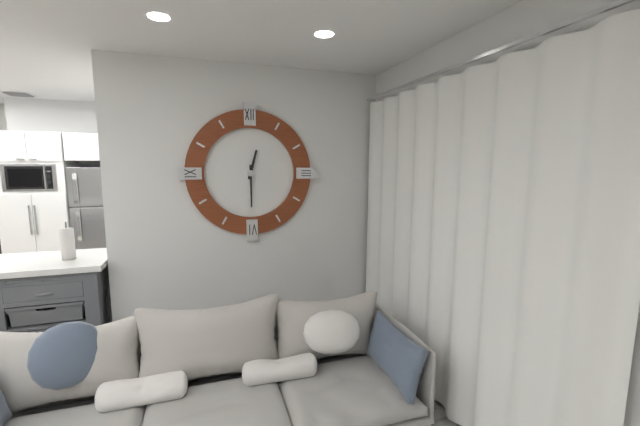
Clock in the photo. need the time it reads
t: 12:30
